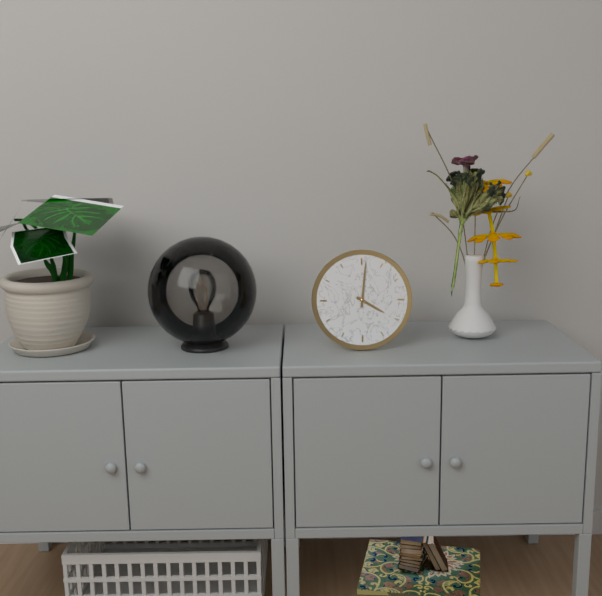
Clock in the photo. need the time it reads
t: 4:01
